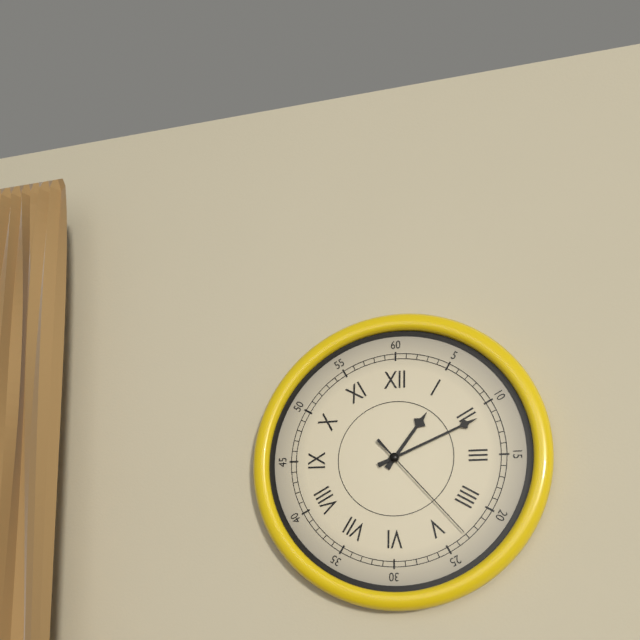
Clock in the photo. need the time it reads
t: 1:11:23
